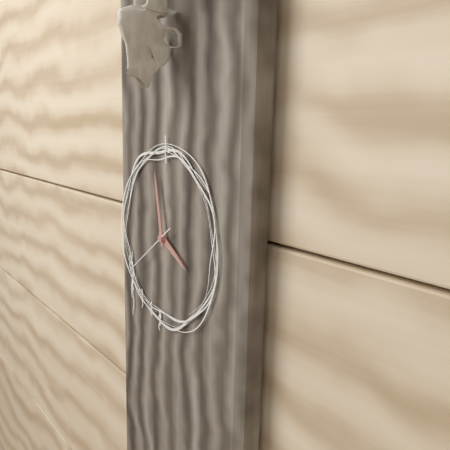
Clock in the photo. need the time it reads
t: 3:58:39
